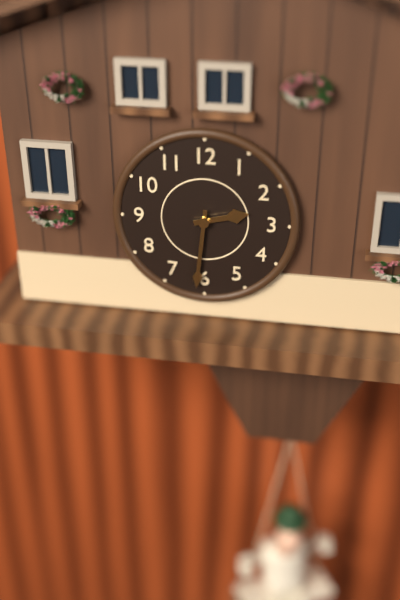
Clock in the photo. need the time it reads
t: 2:31
